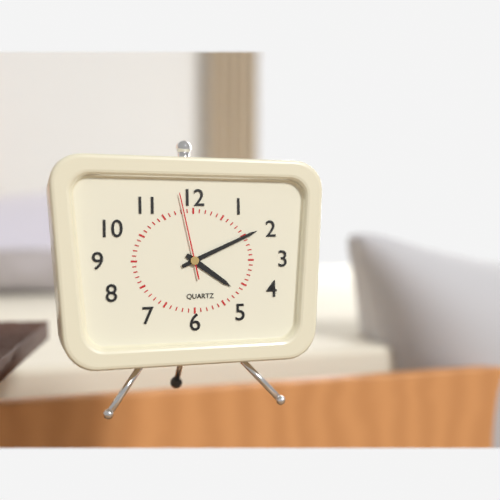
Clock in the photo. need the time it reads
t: 4:11:58
